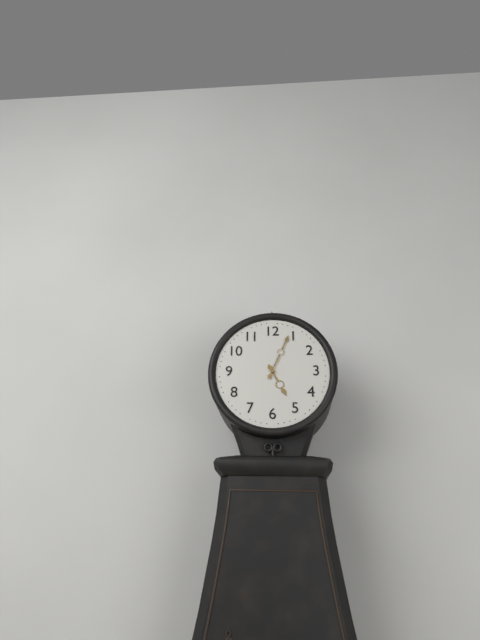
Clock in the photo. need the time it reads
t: 5:04
